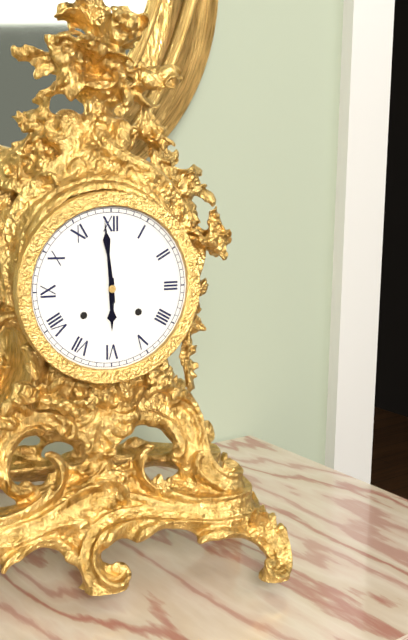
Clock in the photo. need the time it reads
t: 5:59
